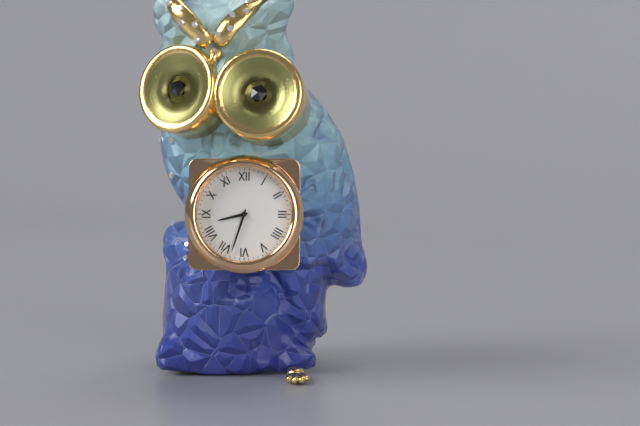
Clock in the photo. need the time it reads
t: 8:33
